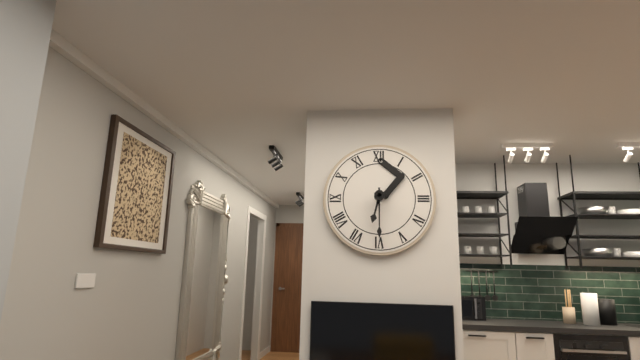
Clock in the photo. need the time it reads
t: 6:30
